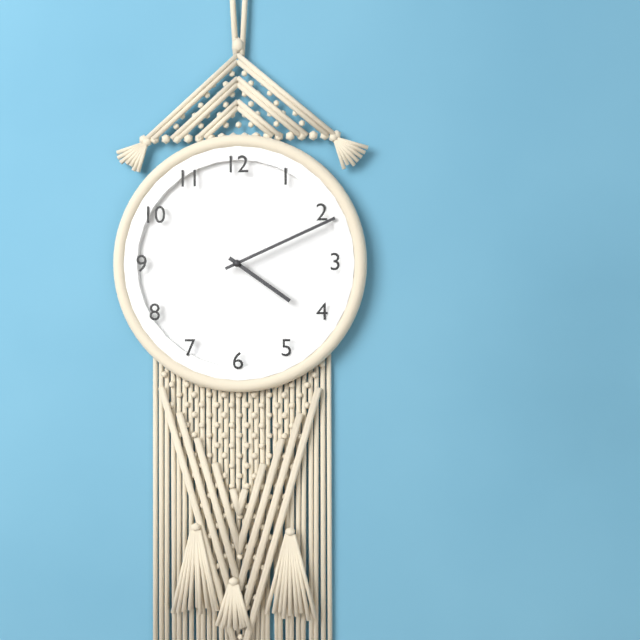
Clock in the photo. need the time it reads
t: 4:11
